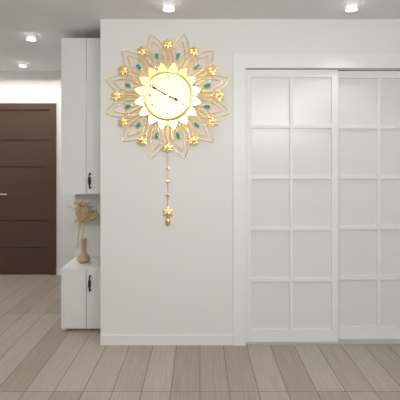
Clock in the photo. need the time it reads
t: 3:50
